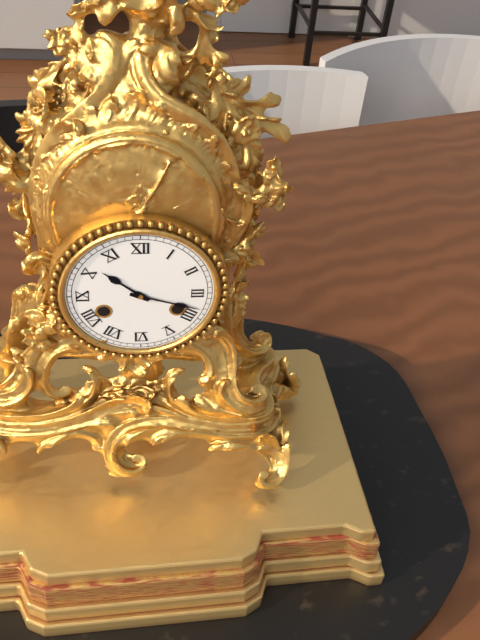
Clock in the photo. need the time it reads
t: 10:18
